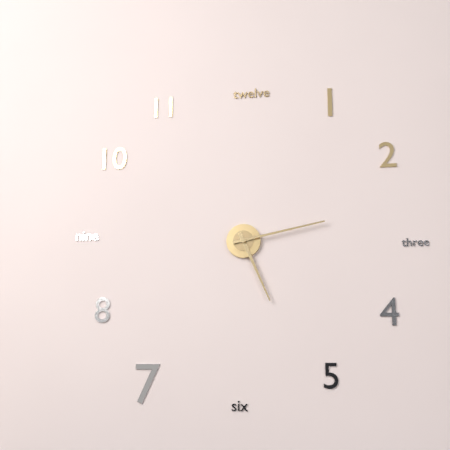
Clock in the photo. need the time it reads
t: 5:13
